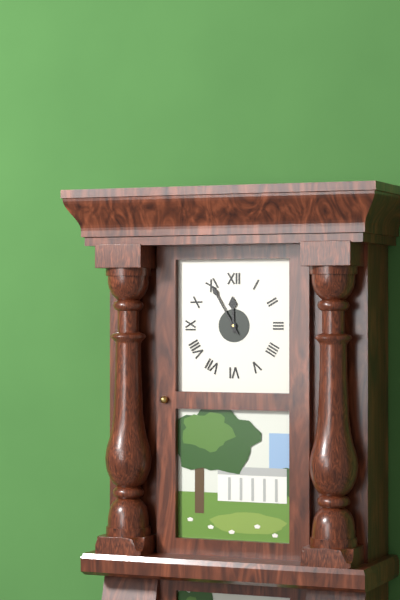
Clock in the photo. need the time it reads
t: 11:55
